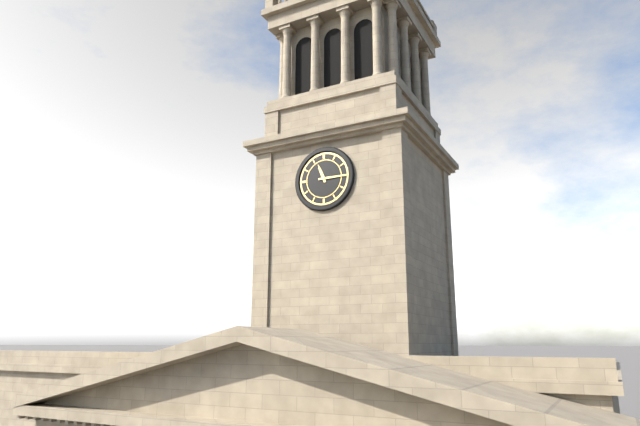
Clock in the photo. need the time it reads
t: 11:15
